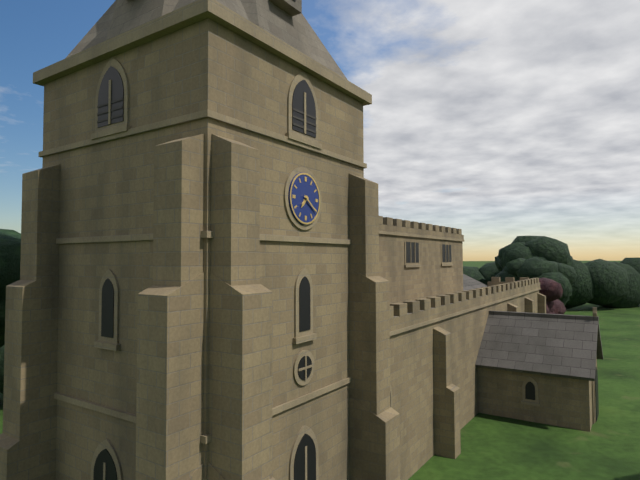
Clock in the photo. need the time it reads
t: 7:21
